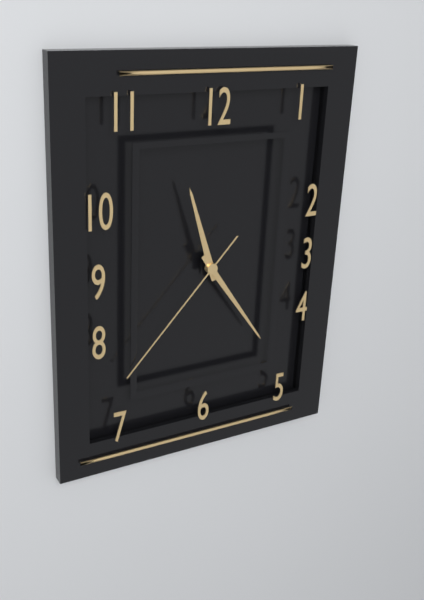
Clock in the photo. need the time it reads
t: 11:24:37
